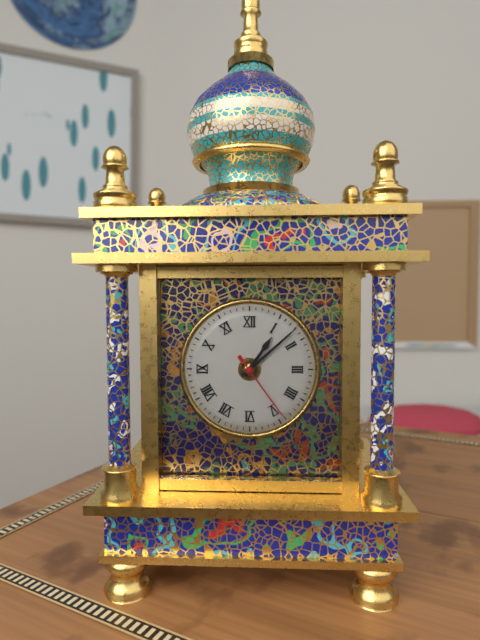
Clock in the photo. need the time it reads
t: 1:08:24
